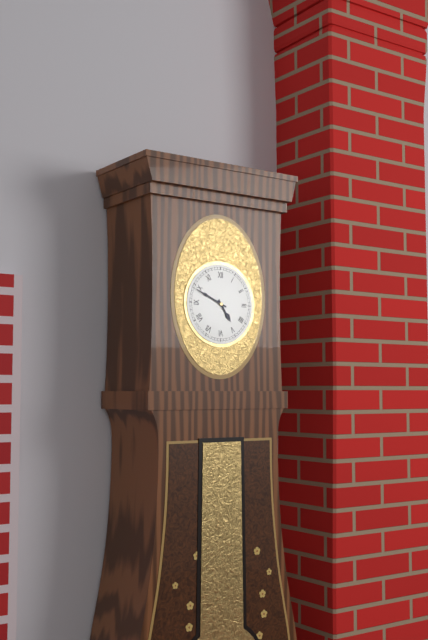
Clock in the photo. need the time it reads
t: 4:49
